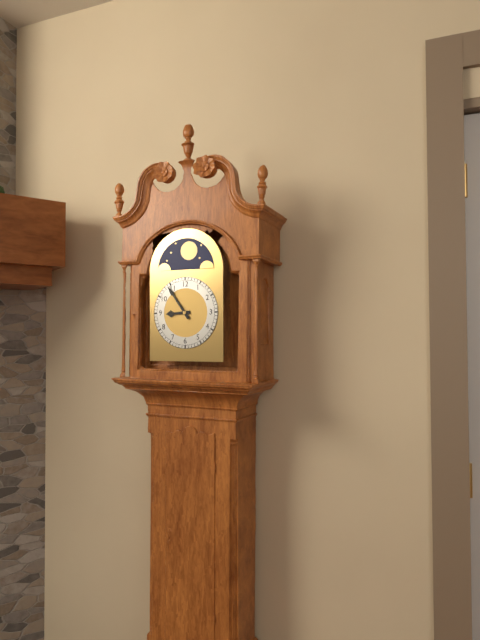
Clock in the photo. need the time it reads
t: 8:54
